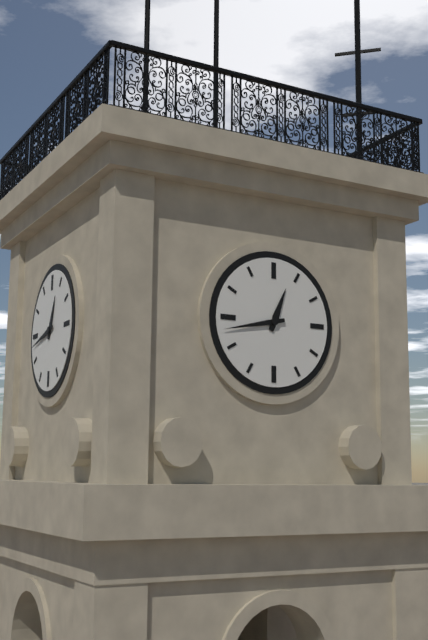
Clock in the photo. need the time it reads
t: 12:43
